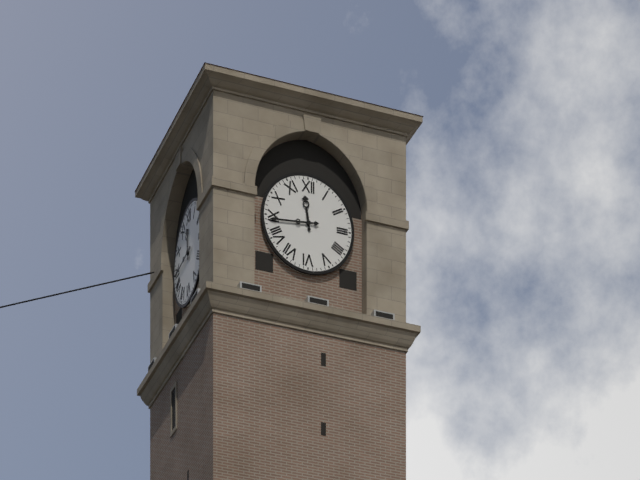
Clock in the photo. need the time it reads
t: 11:44
